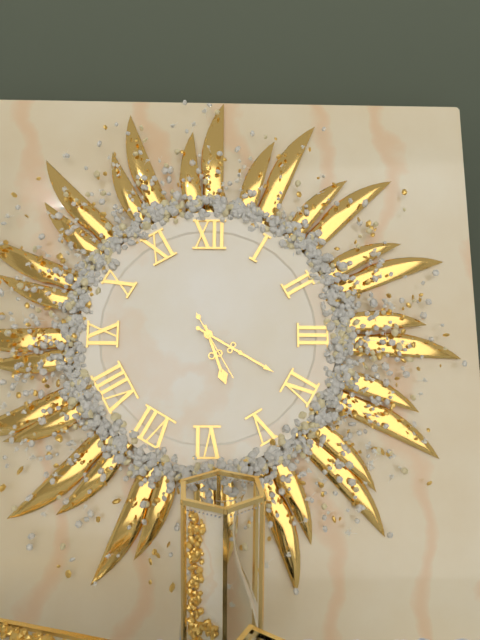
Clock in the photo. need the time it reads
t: 5:20:25
